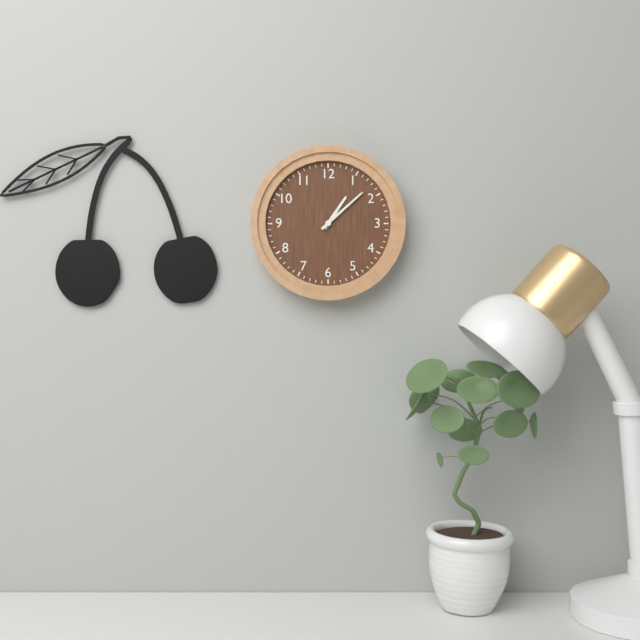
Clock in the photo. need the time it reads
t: 1:08
